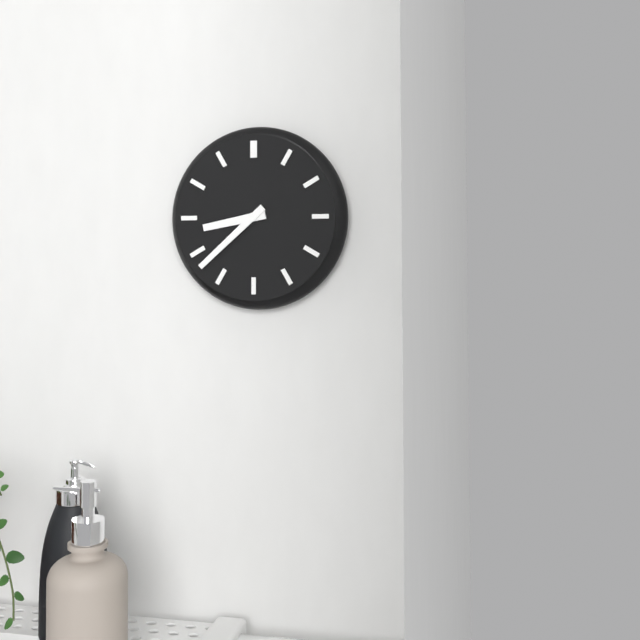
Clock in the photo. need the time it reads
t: 8:38
